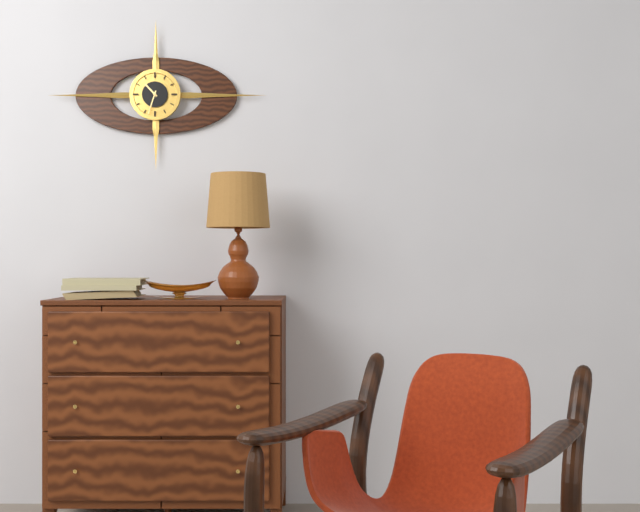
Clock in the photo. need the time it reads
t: 10:33
